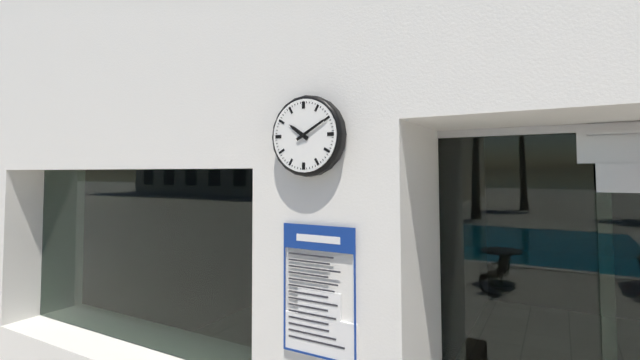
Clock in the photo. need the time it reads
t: 10:10
